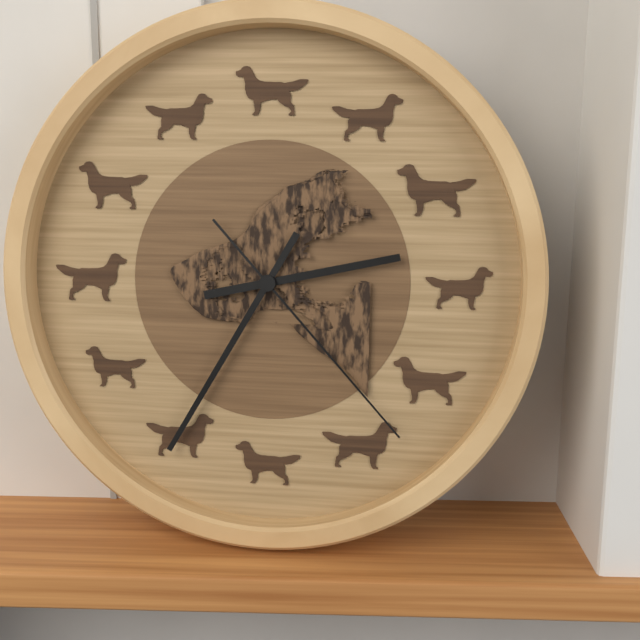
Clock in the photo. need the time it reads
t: 2:35:23
